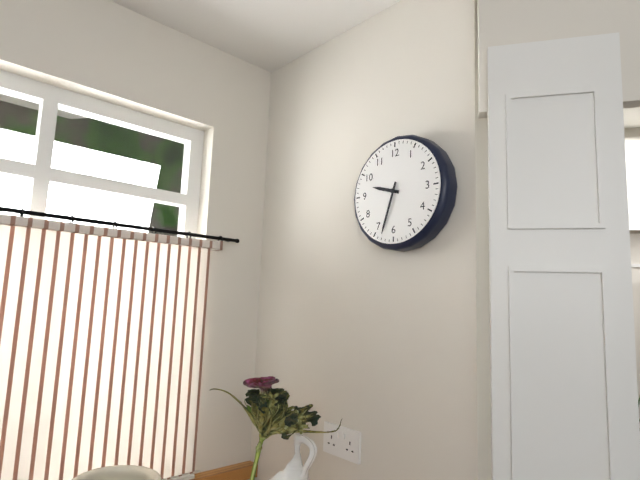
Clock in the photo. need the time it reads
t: 9:33
